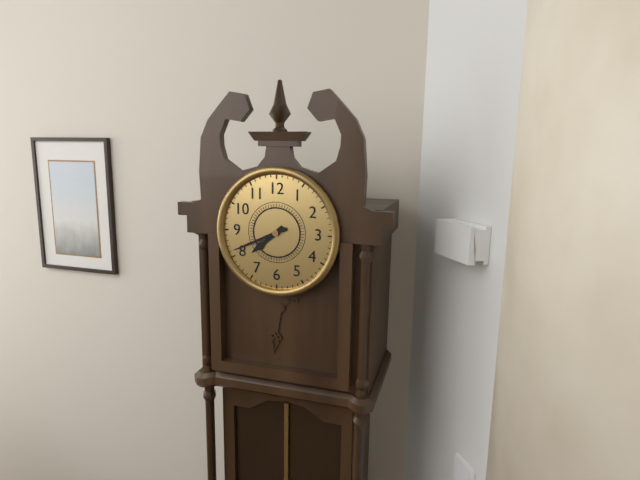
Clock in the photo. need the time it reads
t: 7:41
